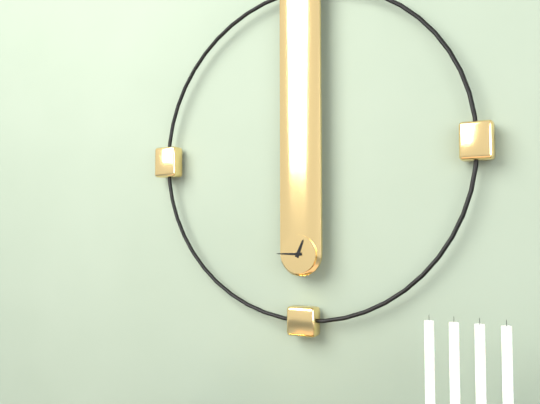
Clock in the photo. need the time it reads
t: 12:45
